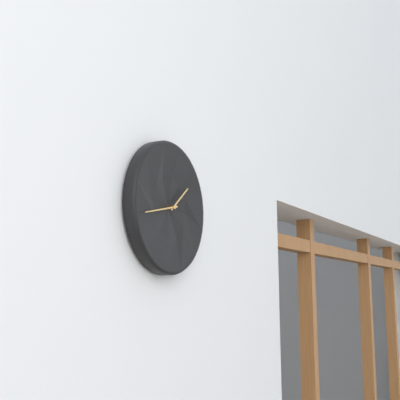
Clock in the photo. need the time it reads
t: 1:43
